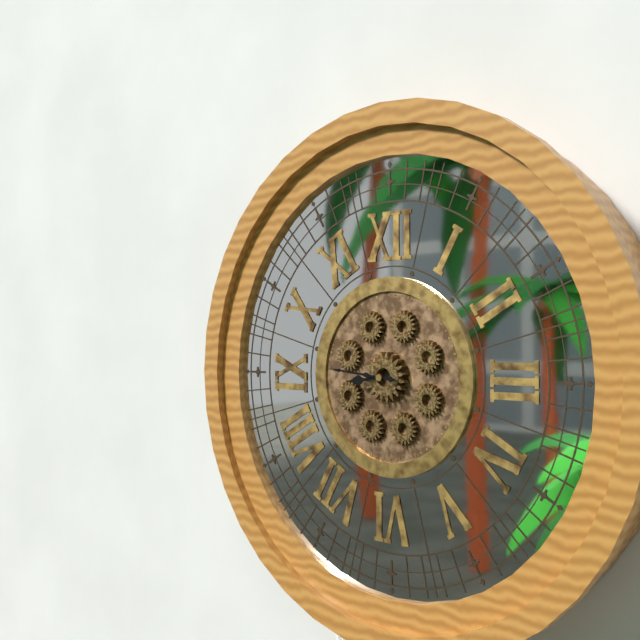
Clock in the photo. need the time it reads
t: 8:46
